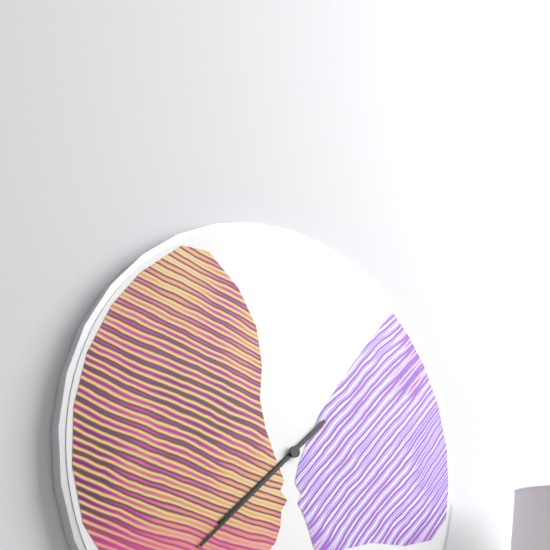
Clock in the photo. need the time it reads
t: 7:38
